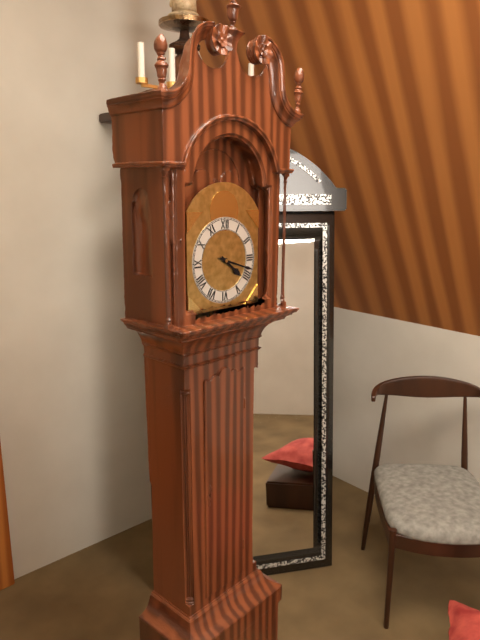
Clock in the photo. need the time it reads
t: 4:18
